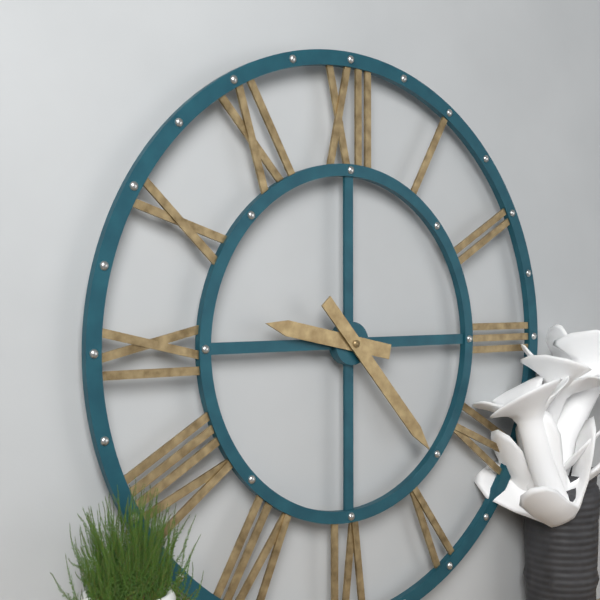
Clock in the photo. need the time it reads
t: 9:23
